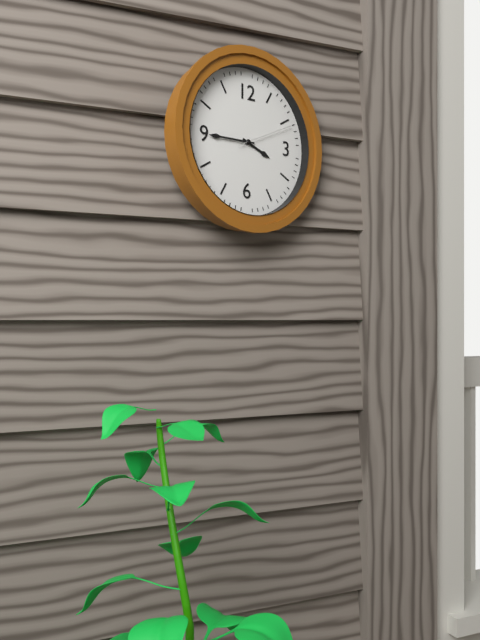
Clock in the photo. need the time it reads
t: 3:45:11
